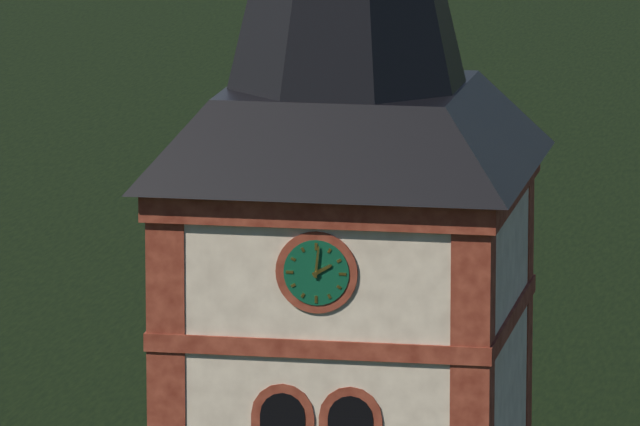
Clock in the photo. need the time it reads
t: 2:01
